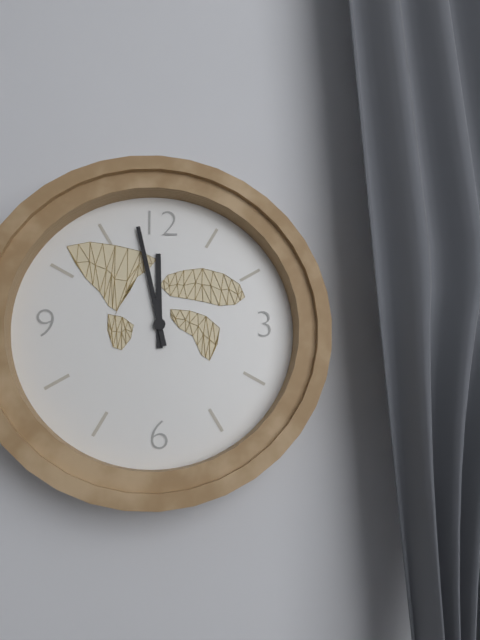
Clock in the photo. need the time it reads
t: 11:58
